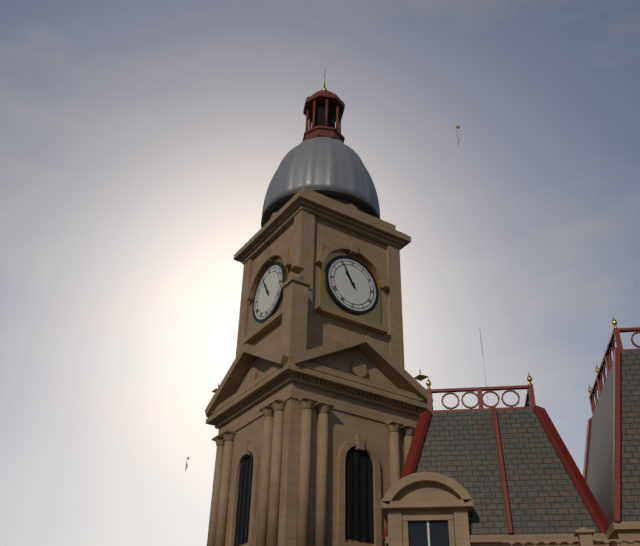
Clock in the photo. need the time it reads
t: 10:55
